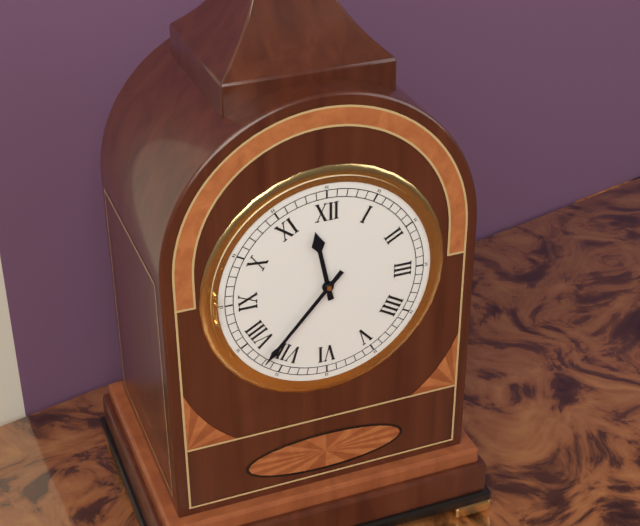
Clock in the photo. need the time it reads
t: 11:37
